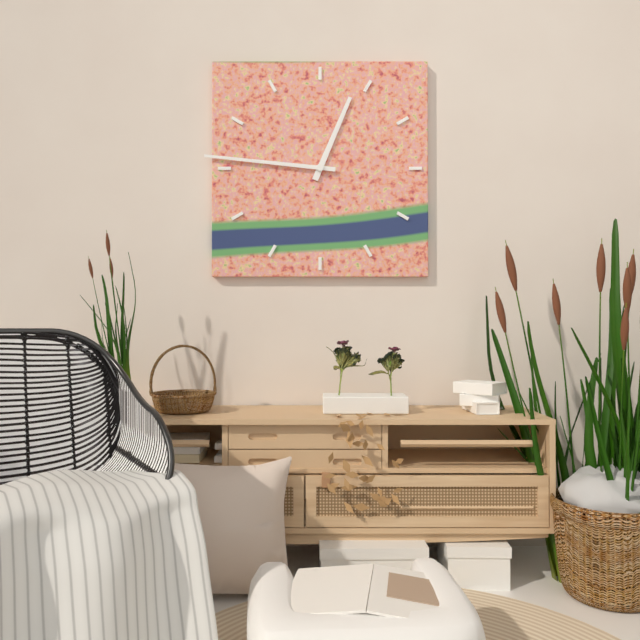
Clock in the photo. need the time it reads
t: 12:46
